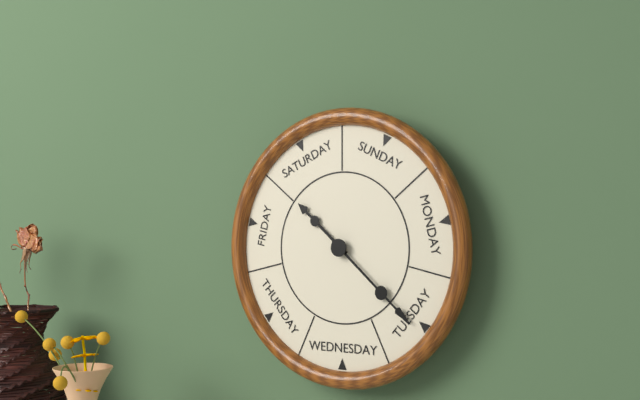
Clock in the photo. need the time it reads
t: 10:22
